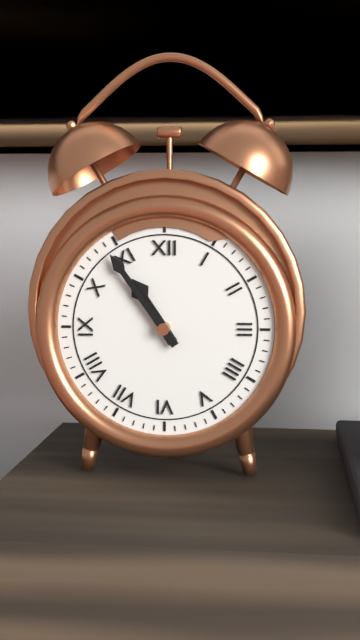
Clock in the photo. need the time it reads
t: 10:54
